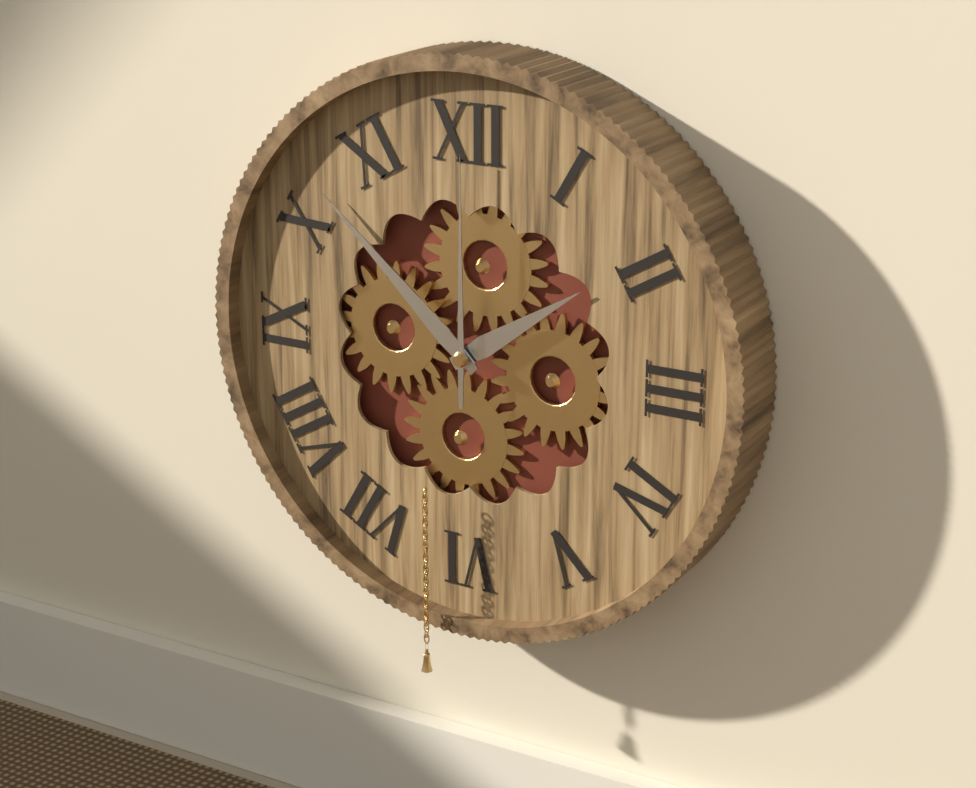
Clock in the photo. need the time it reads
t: 1:52:00
